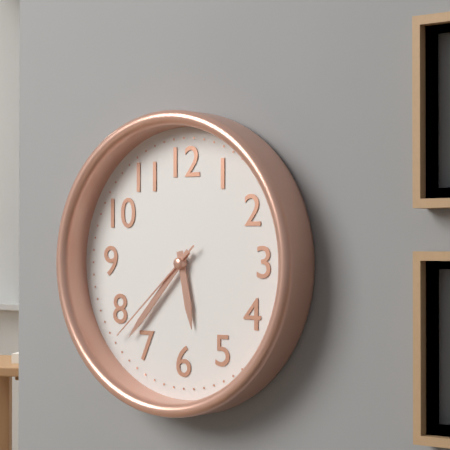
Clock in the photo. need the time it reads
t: 5:37:38
